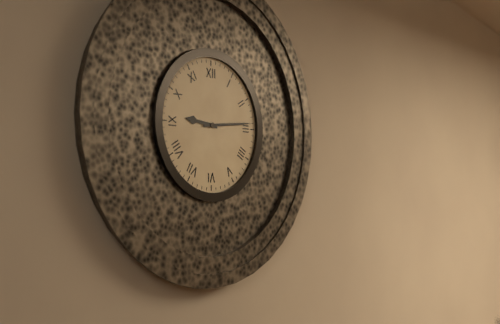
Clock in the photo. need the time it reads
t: 9:14
